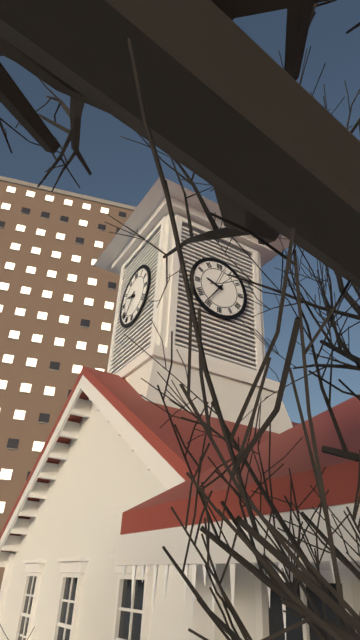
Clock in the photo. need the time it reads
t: 9:36
